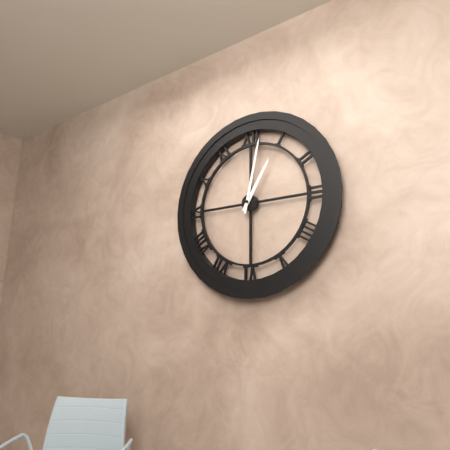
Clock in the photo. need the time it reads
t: 1:02
